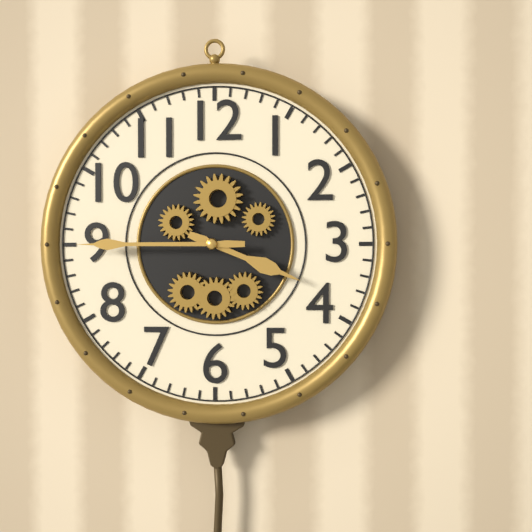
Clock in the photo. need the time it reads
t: 3:45
